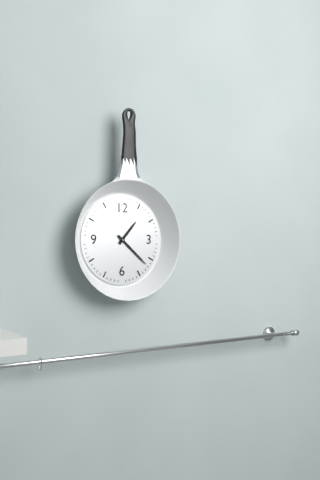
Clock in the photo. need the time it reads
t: 1:22
